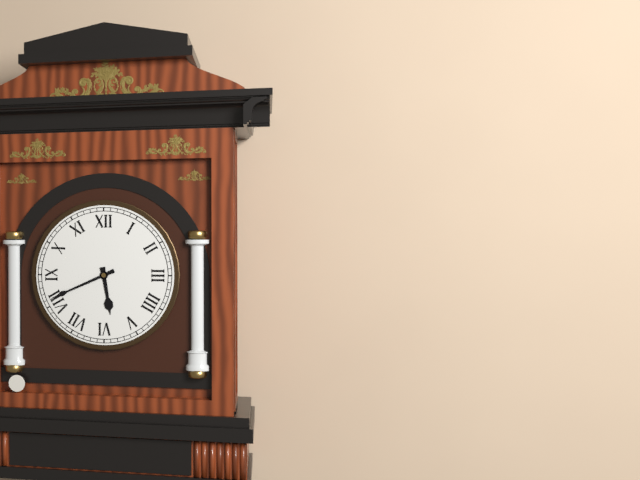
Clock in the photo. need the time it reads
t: 5:41
